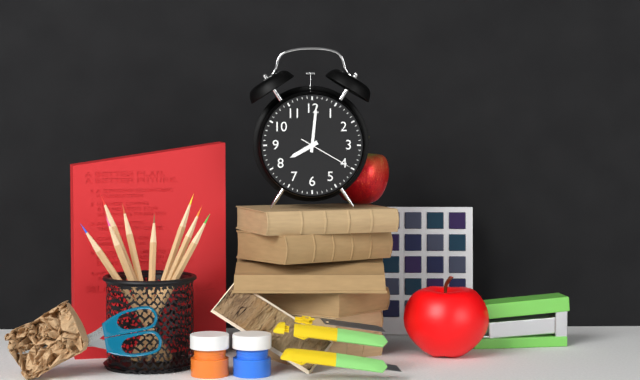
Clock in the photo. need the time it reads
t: 8:01:20
